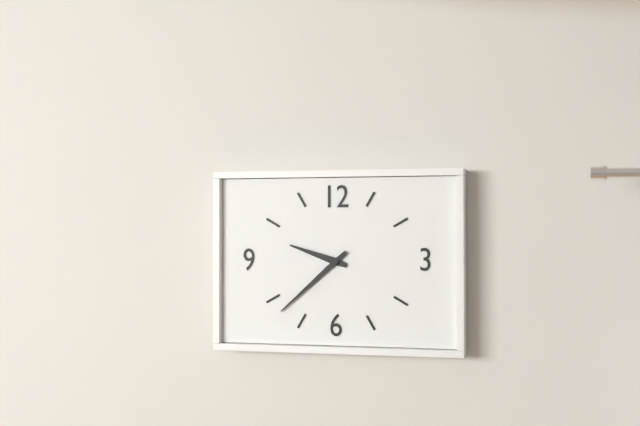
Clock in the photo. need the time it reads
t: 9:38
